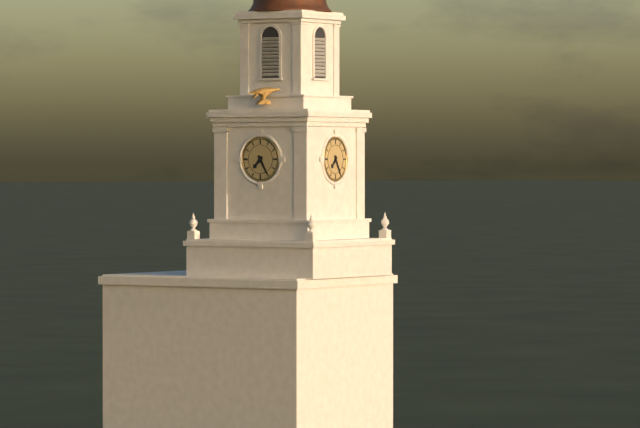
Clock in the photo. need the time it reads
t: 7:25
